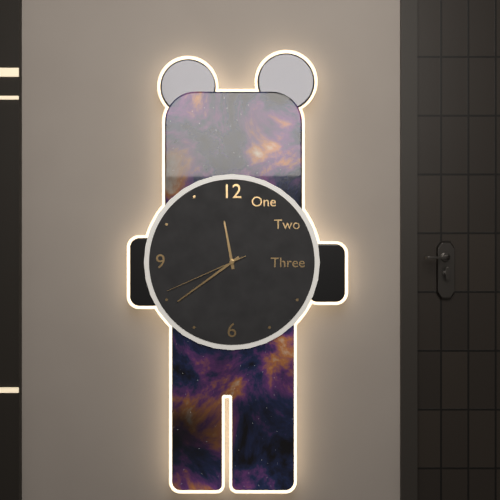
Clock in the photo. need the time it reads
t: 11:39:41
